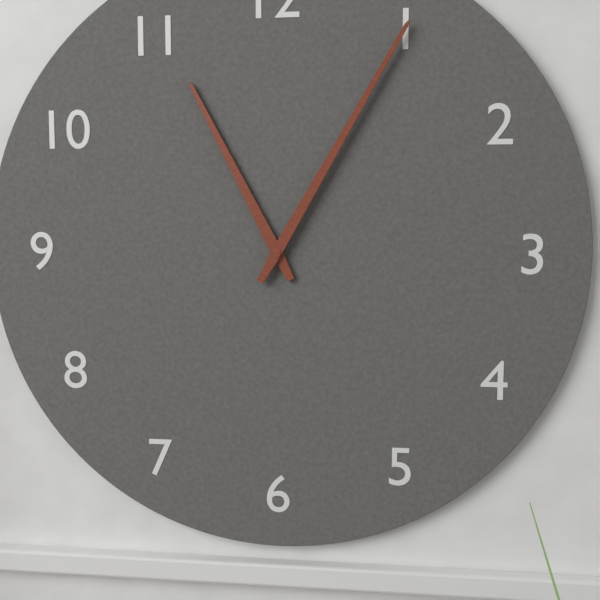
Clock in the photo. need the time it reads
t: 11:05
